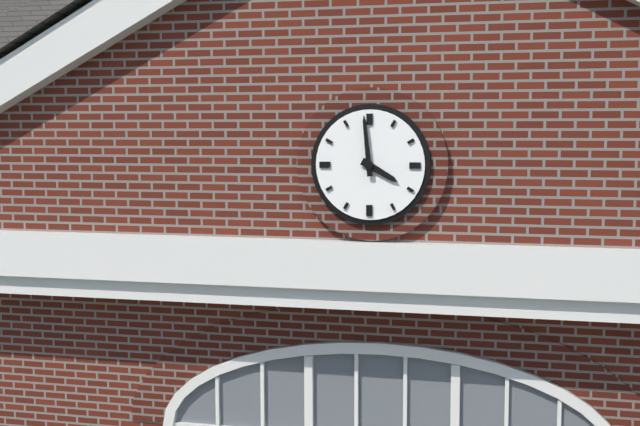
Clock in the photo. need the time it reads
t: 3:59
